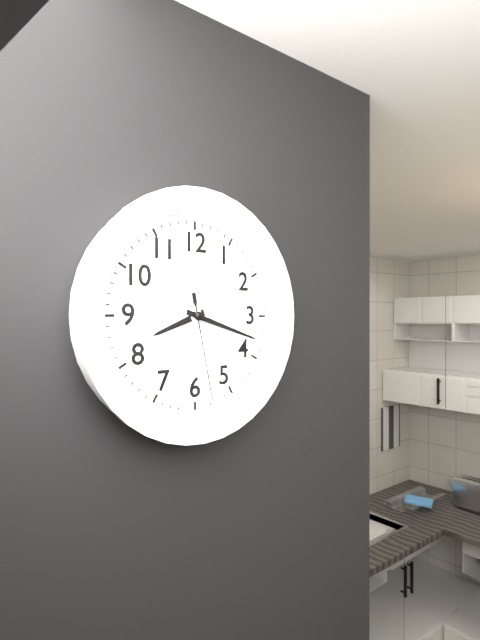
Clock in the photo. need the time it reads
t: 8:18:28
